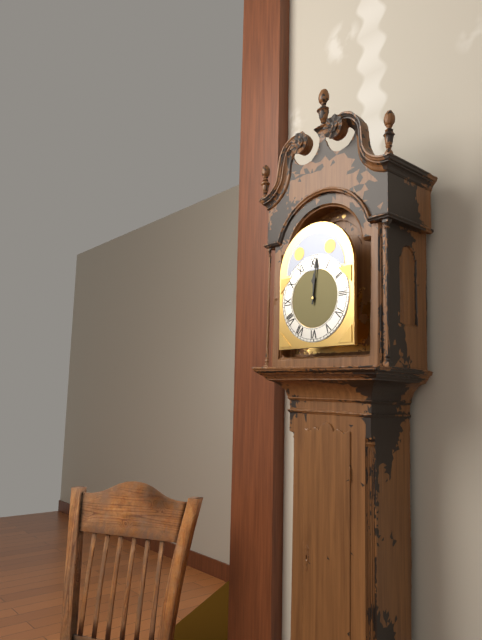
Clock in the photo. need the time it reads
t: 12:01
